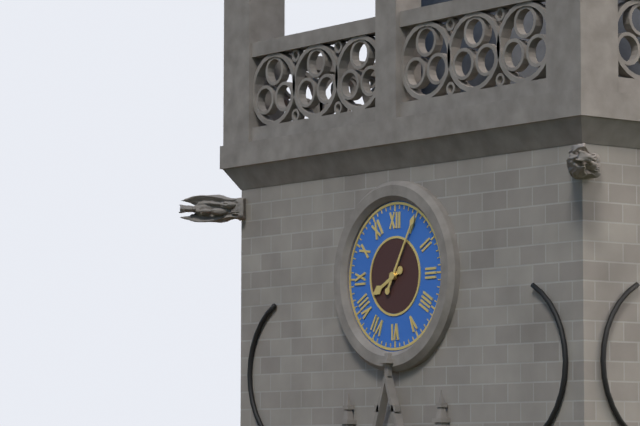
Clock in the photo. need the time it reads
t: 8:05
